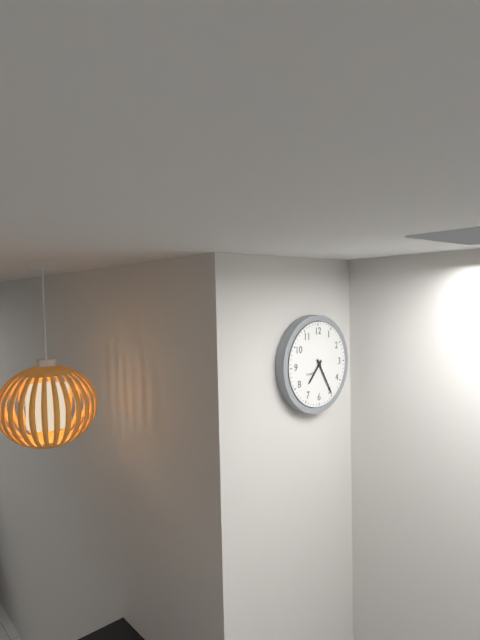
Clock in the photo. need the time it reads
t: 7:25
